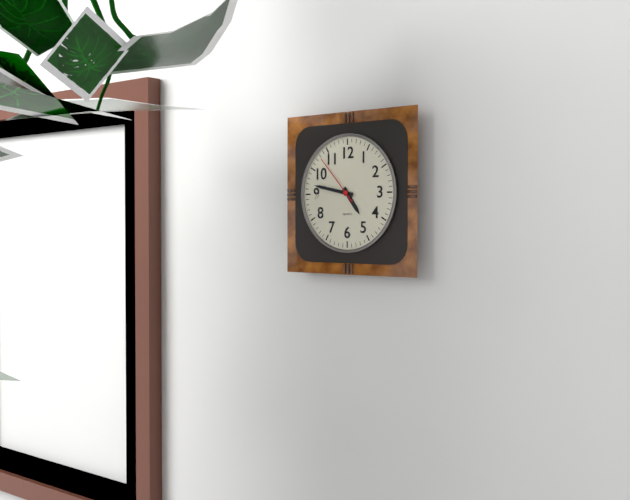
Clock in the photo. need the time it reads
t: 4:47:53
